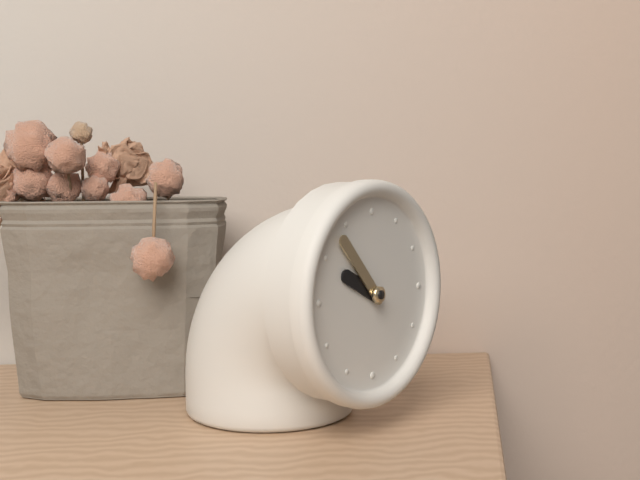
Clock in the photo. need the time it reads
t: 9:53
